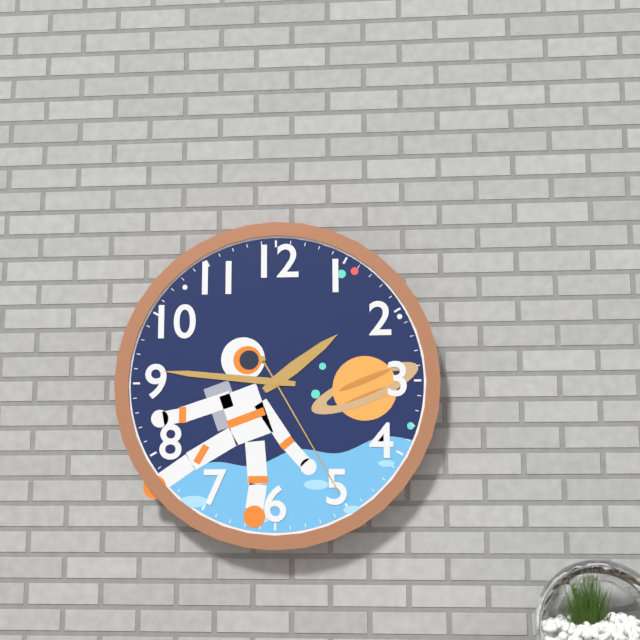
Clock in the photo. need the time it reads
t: 1:46:25
